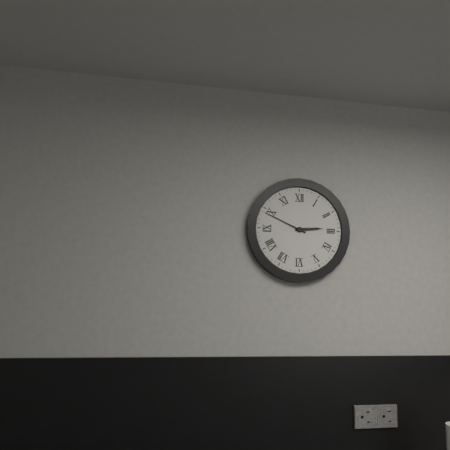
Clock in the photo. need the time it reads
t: 2:49
